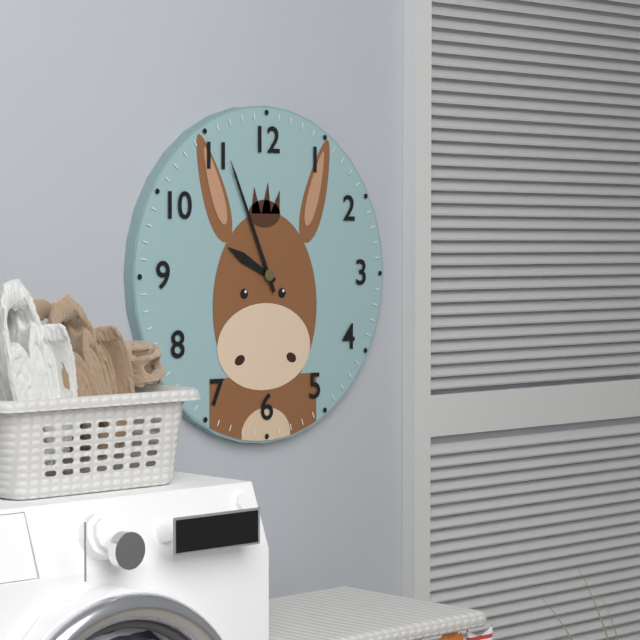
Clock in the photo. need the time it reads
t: 9:56
